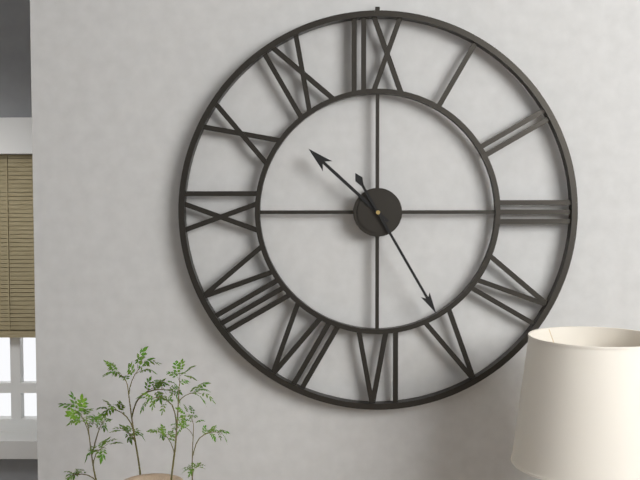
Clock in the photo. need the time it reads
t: 10:25
